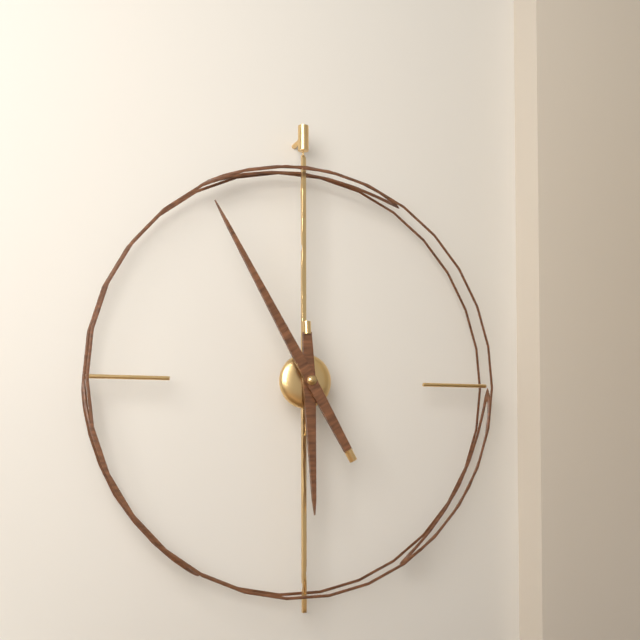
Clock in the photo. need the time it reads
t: 5:55
